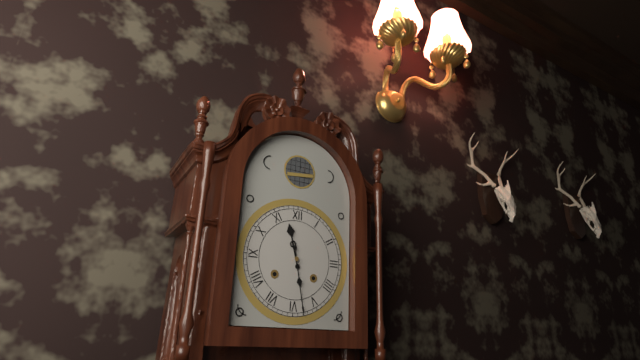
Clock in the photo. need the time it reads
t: 11:28
